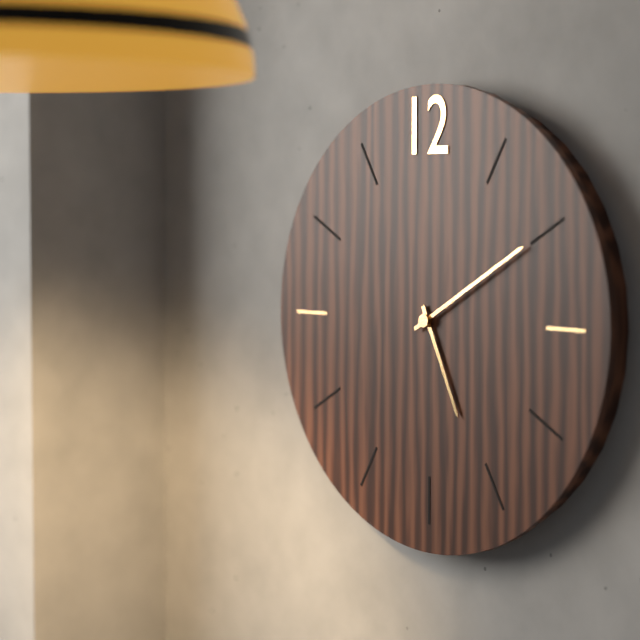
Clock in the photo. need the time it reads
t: 5:10
